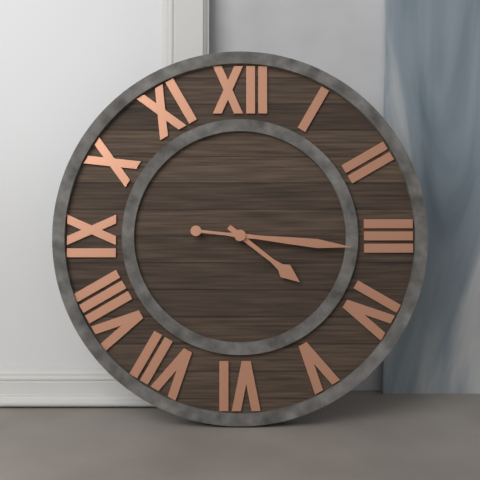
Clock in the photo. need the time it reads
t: 4:16
